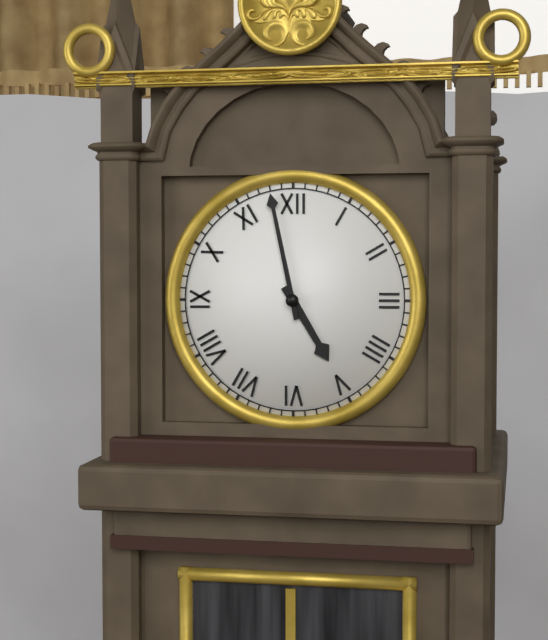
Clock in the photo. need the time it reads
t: 4:58
